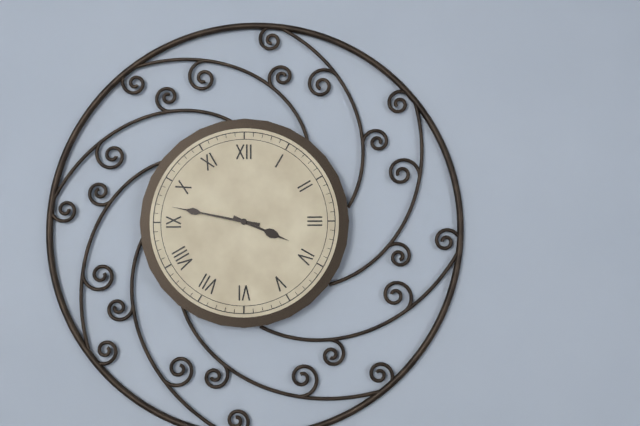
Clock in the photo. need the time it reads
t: 3:47
